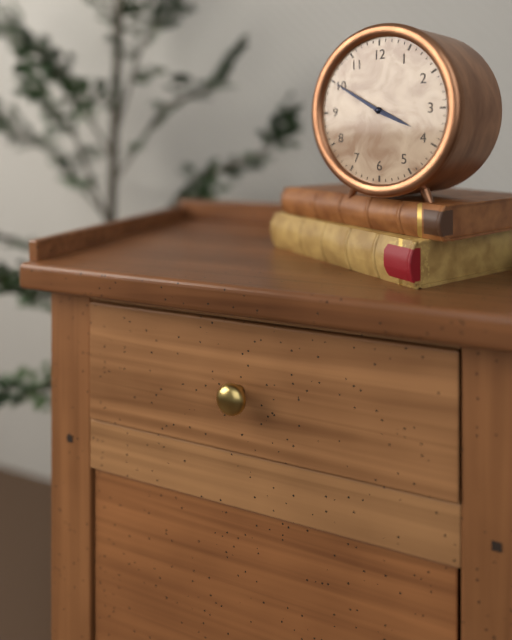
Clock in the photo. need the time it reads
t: 3:50
